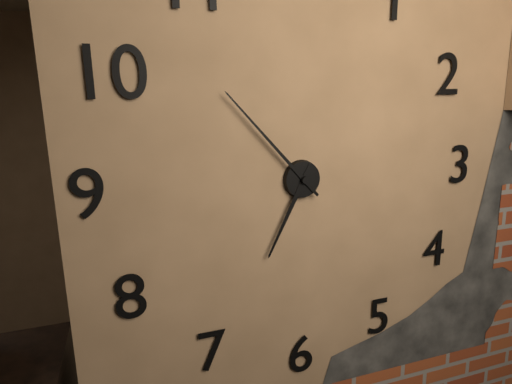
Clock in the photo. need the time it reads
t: 6:53
